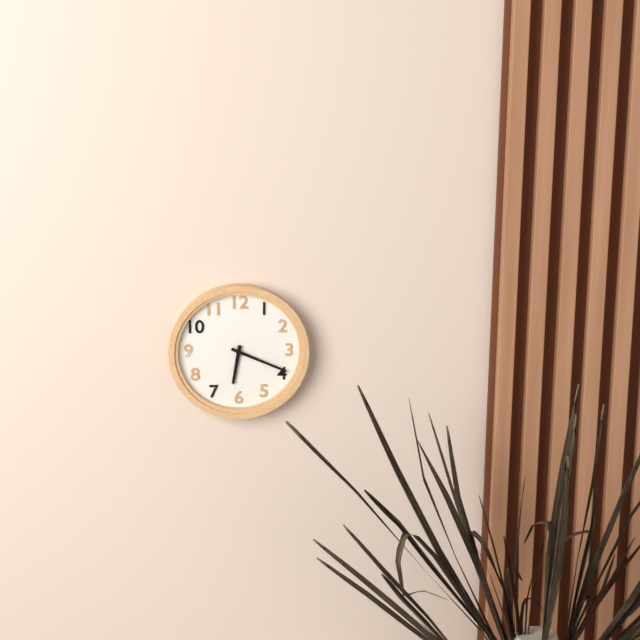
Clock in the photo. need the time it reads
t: 6:19
